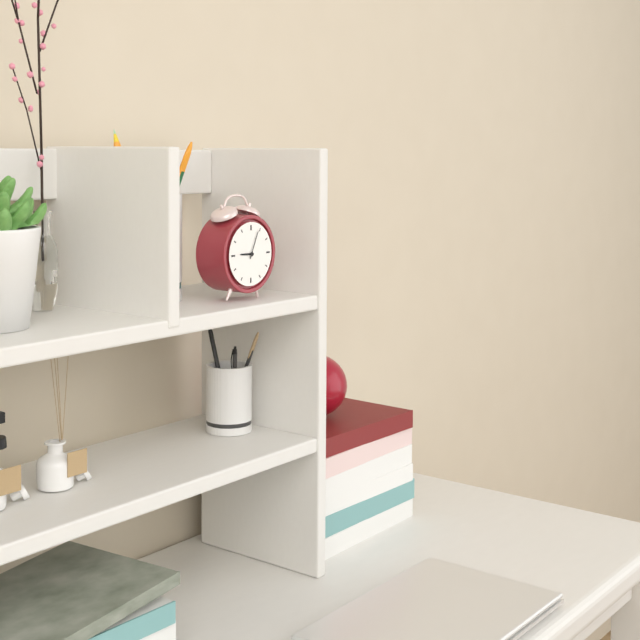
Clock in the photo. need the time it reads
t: 9:04
